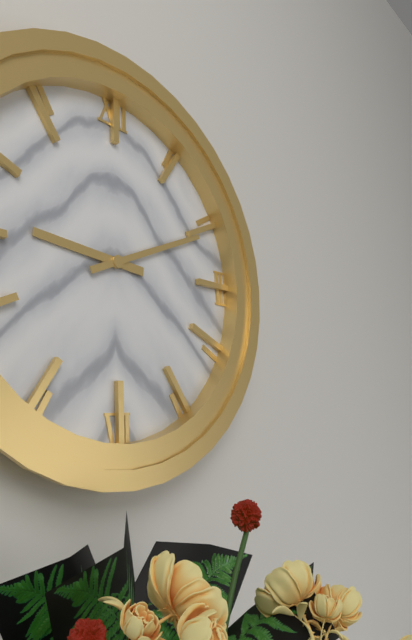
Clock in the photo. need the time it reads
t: 9:11
